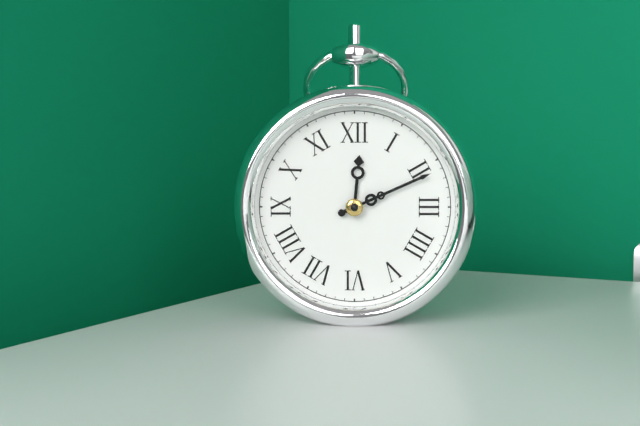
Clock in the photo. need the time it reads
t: 12:11
